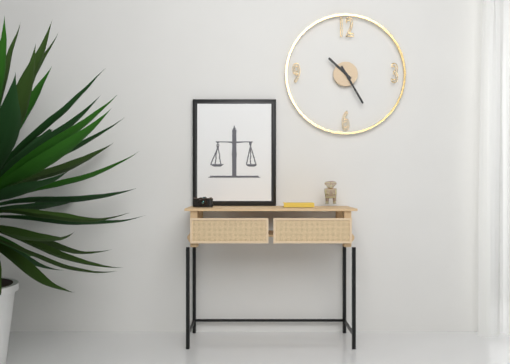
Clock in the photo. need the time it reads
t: 10:25
